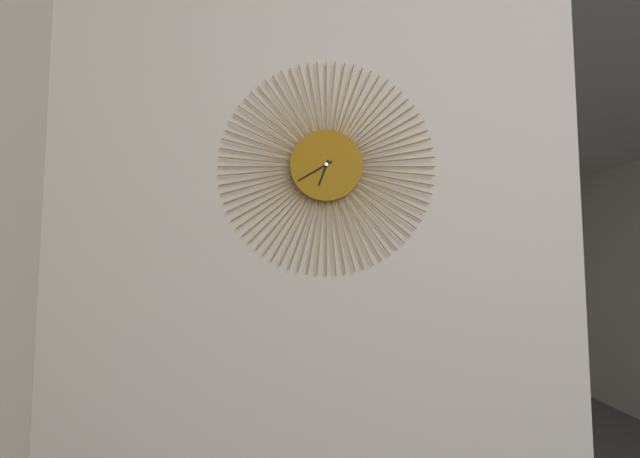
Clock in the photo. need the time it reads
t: 6:40
